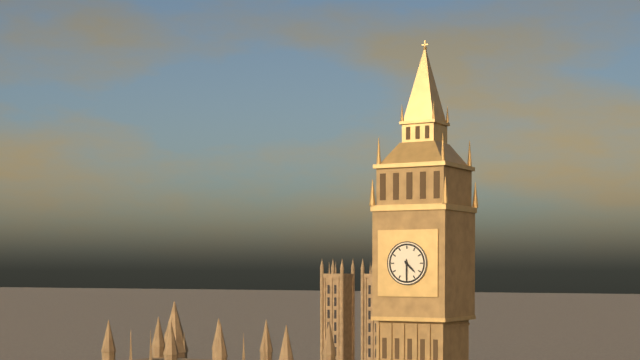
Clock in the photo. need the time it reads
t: 4:30
